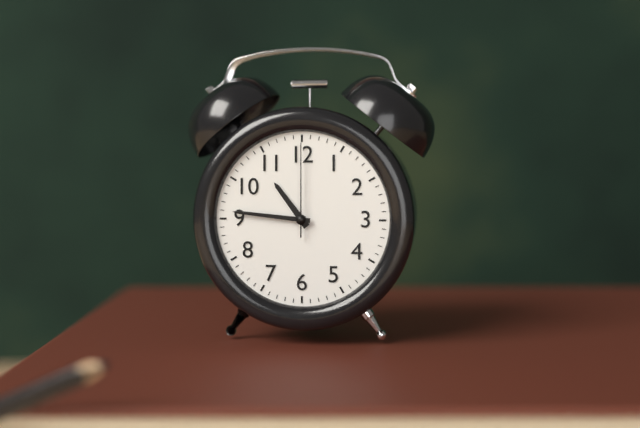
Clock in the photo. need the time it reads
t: 10:46:00
